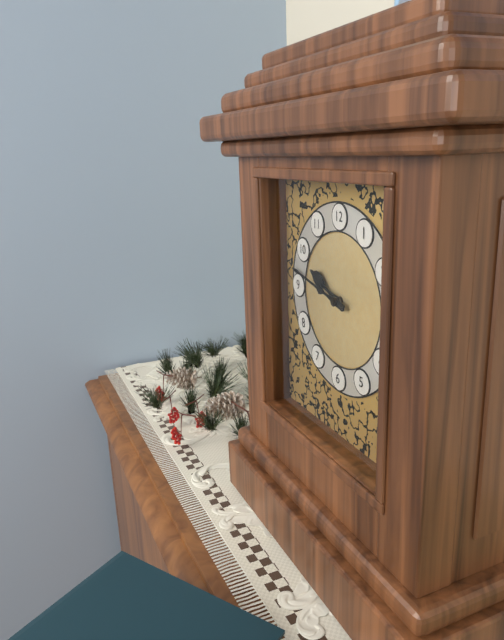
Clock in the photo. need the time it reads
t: 9:47
